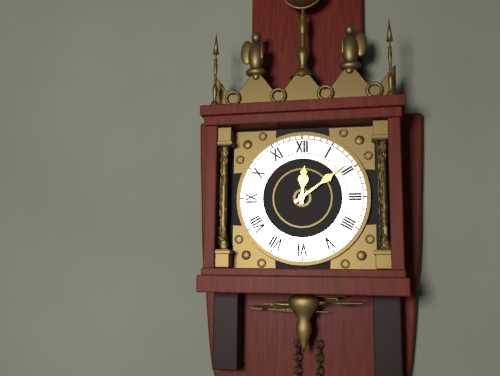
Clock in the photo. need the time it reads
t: 12:09
